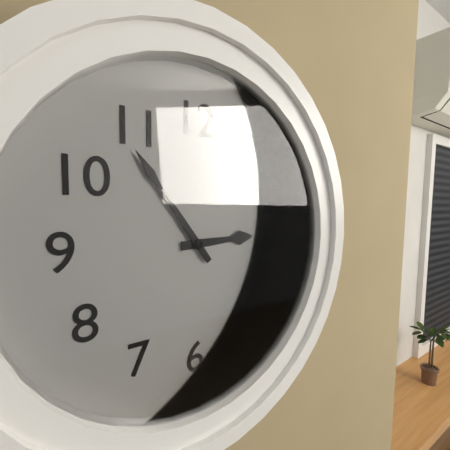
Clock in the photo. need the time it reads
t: 2:54
